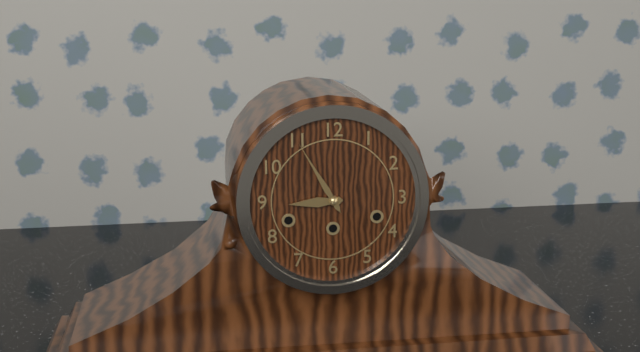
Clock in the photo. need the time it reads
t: 8:55
